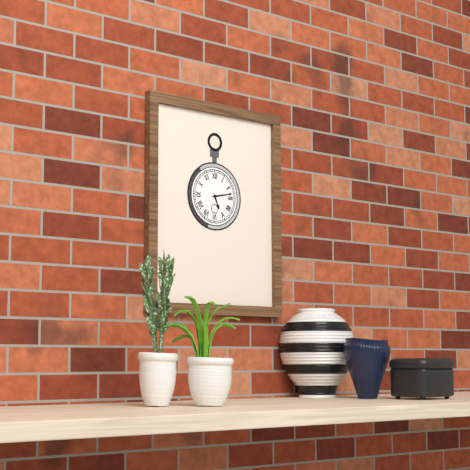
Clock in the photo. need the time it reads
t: 5:13
